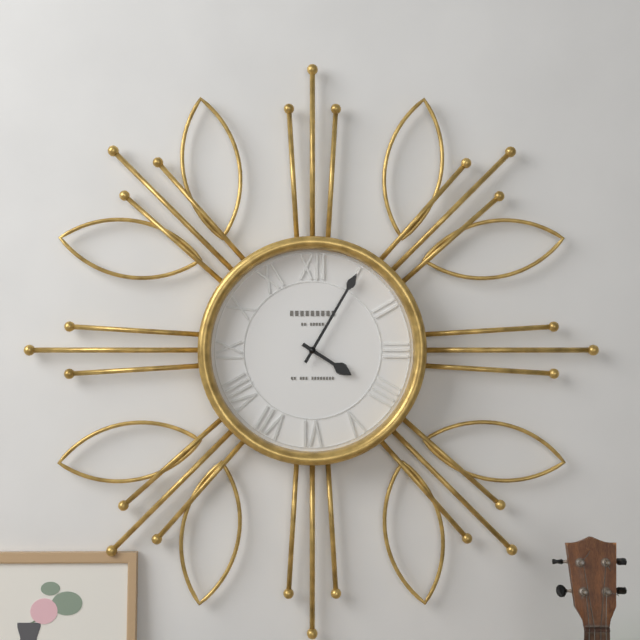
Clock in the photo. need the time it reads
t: 4:05
